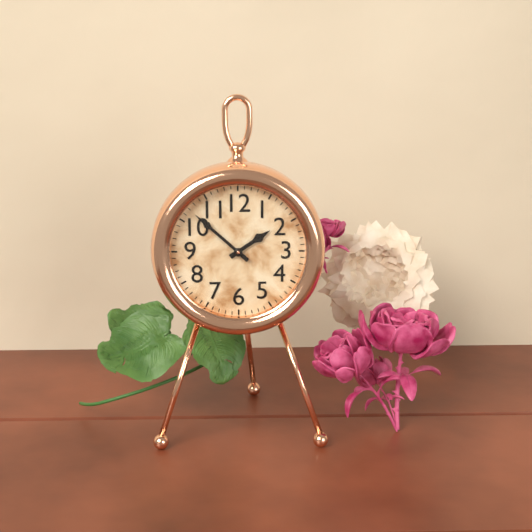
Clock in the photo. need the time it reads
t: 1:52
